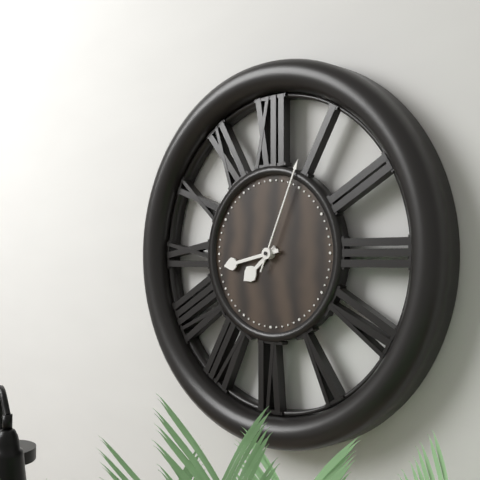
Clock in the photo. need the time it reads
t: 7:43:04
